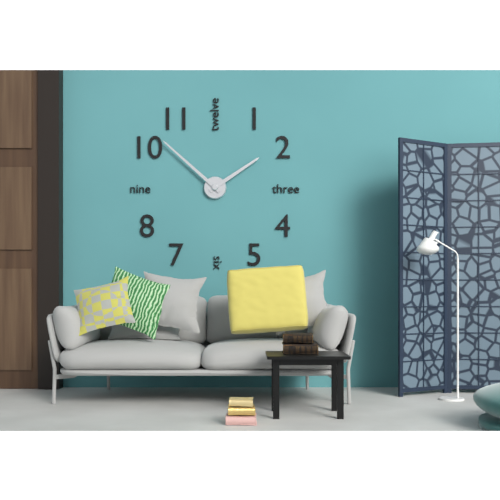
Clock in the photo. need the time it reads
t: 1:52
